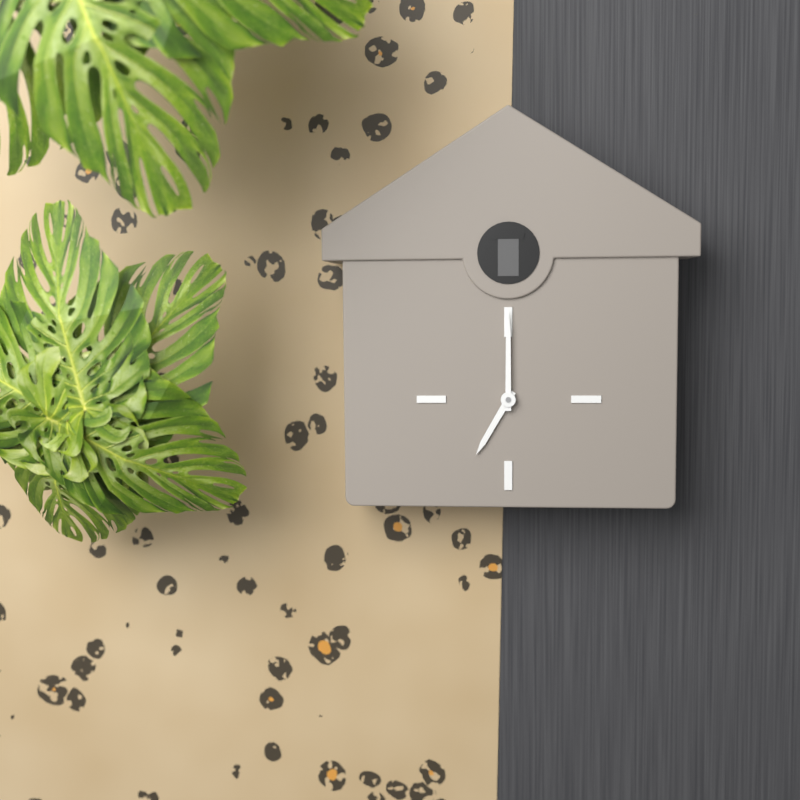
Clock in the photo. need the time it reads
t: 7:00
